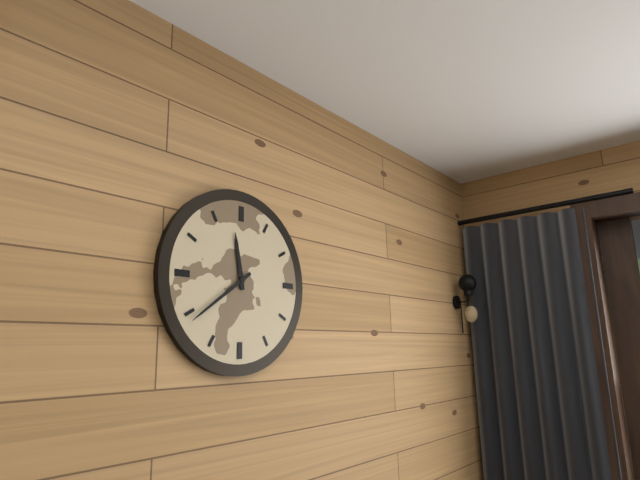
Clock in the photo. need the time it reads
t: 11:39
